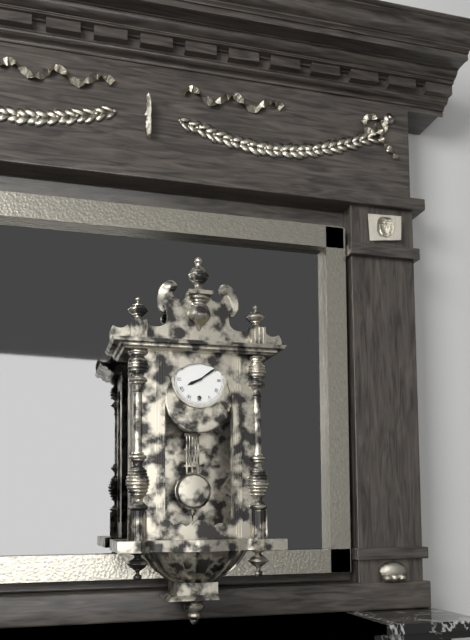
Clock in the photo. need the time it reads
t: 8:09
